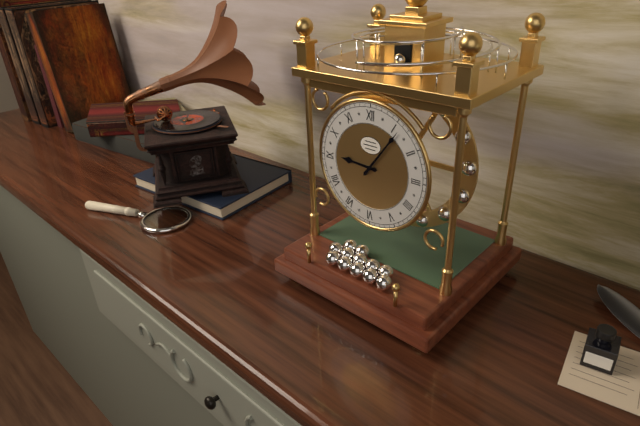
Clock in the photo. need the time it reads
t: 9:06
